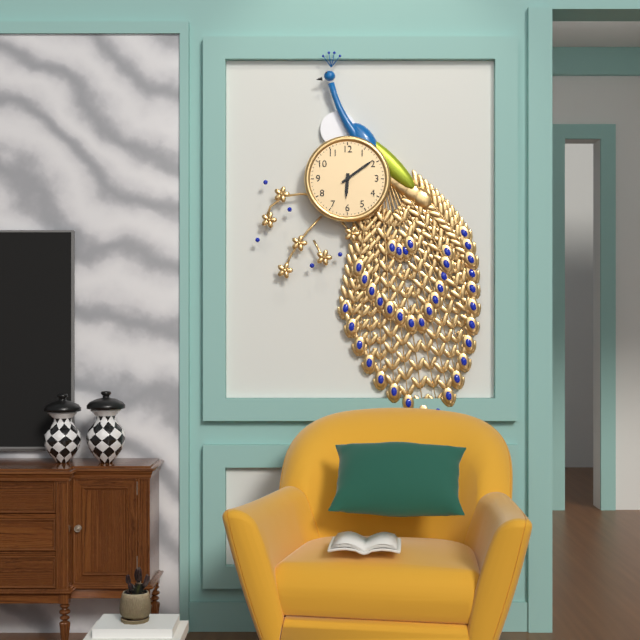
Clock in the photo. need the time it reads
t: 6:09
